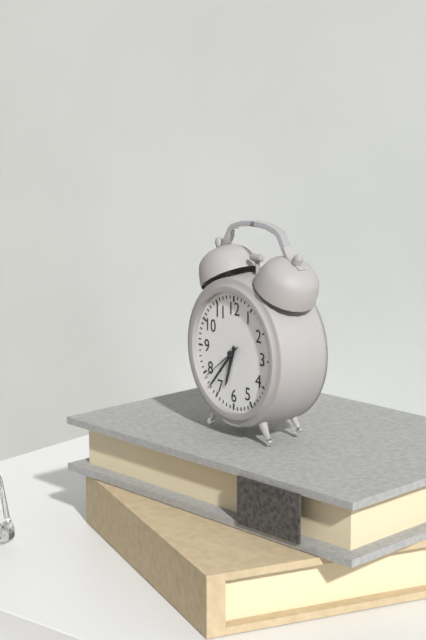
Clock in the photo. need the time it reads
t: 6:37
